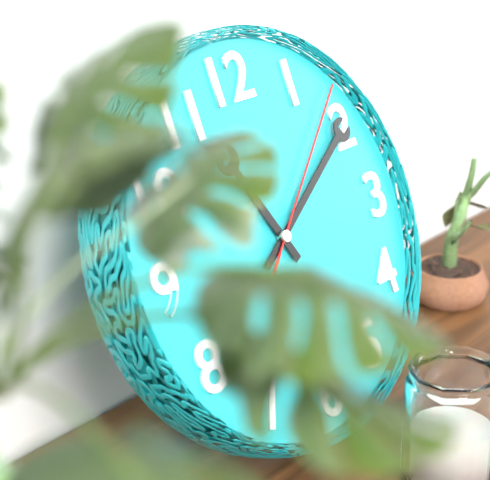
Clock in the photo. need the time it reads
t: 11:10:08
